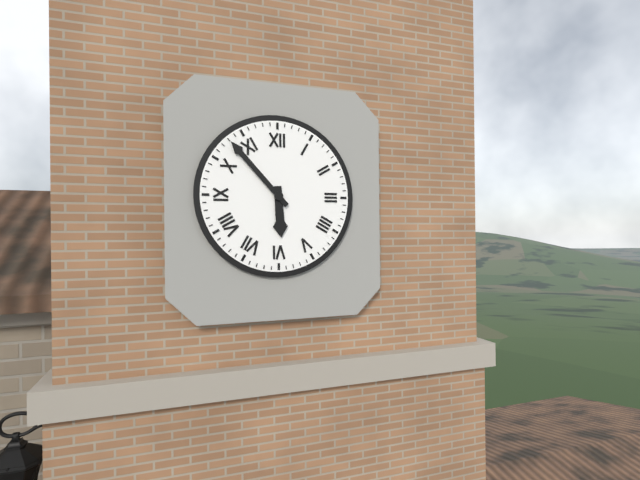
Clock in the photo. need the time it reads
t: 5:53
